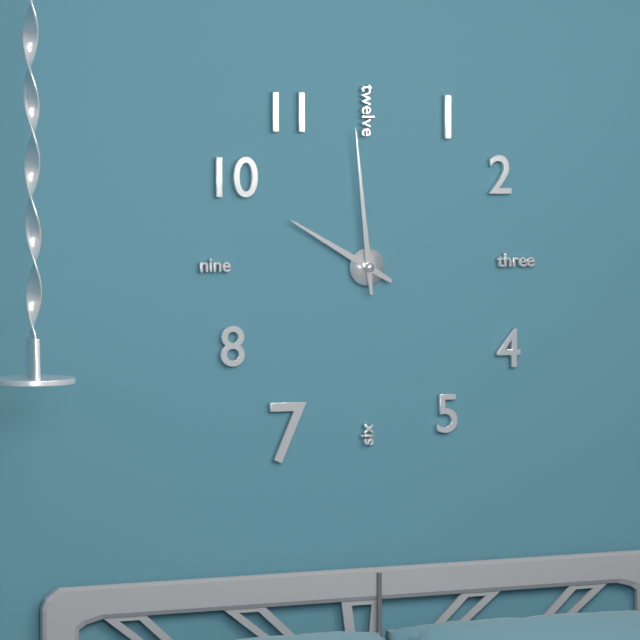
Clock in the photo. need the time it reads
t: 9:59
